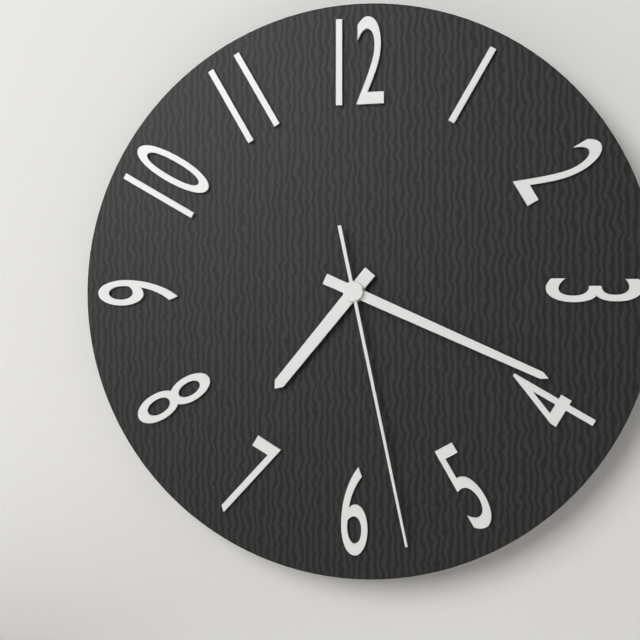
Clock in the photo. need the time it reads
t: 7:19:28
